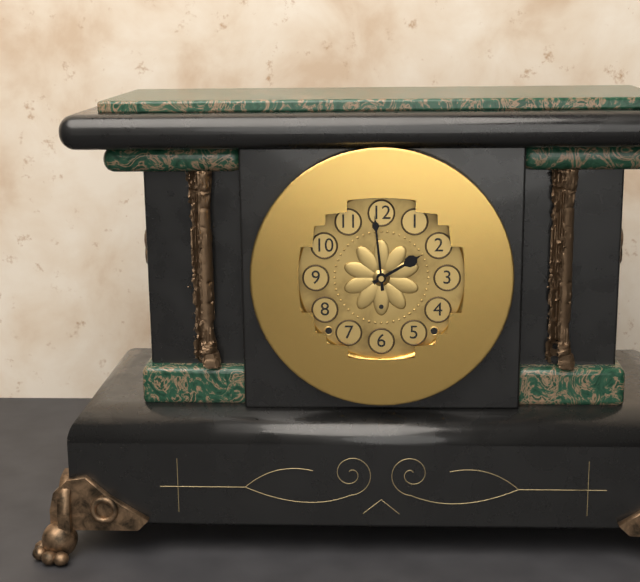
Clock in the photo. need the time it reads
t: 1:59
